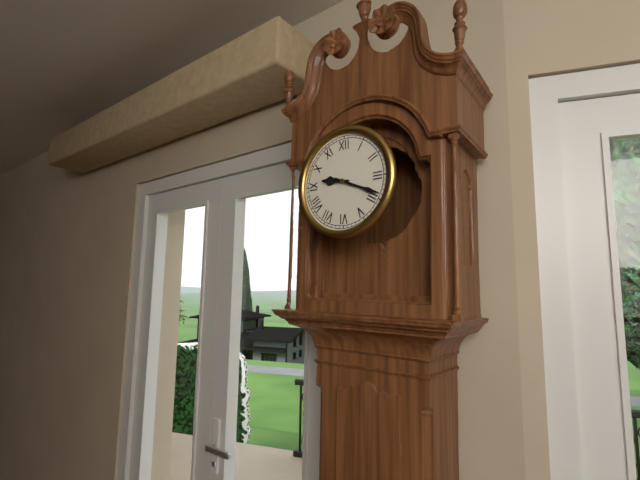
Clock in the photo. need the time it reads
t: 9:19
